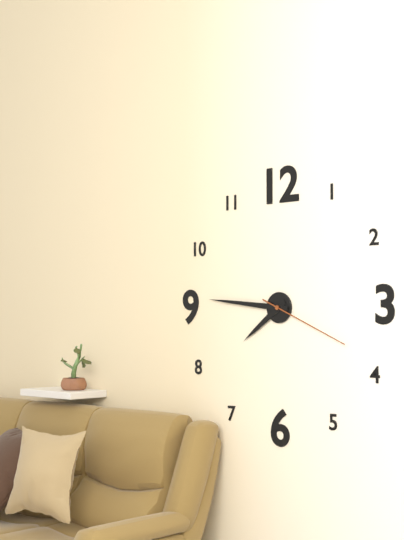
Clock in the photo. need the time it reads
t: 7:46:19
